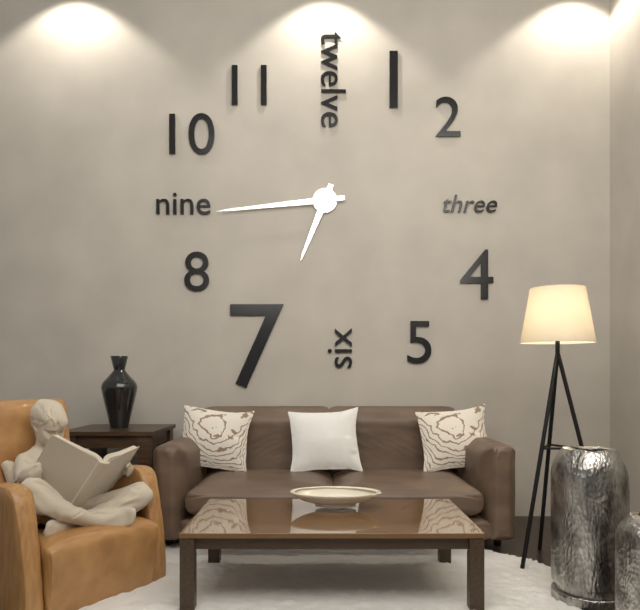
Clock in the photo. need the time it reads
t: 6:44
